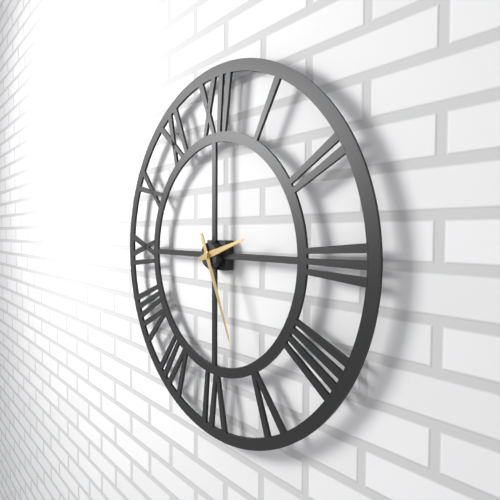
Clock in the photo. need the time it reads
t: 2:26
